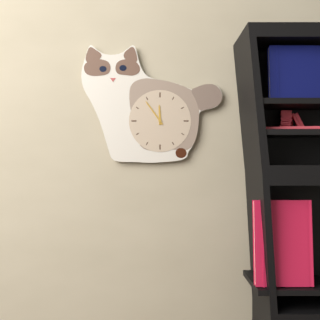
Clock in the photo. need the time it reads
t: 11:54
